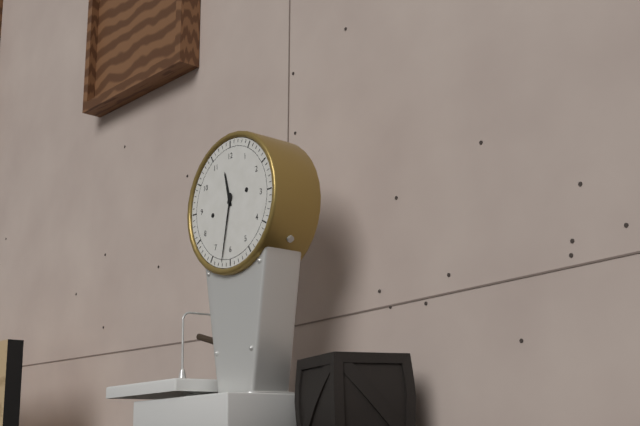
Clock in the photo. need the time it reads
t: 11:32
